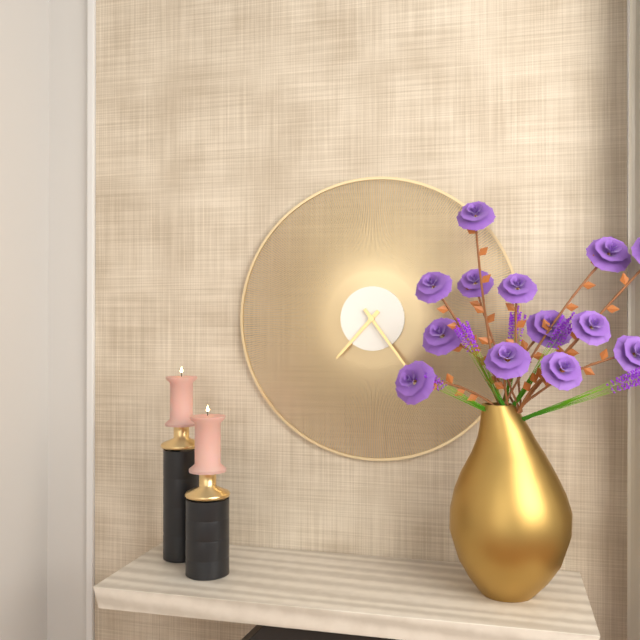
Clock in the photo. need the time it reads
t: 7:24
